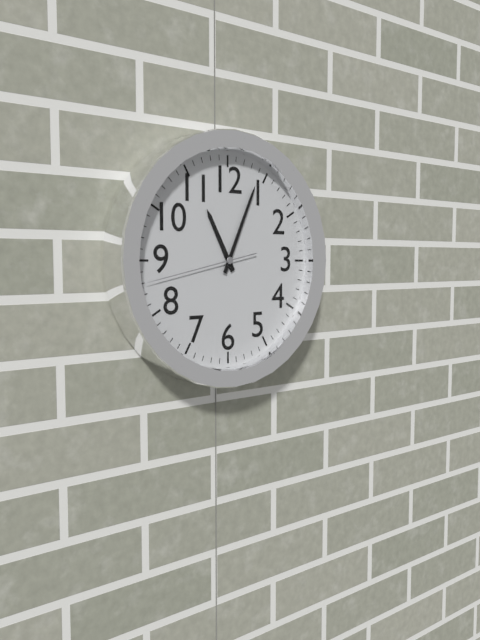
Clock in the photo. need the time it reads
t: 11:04:43
